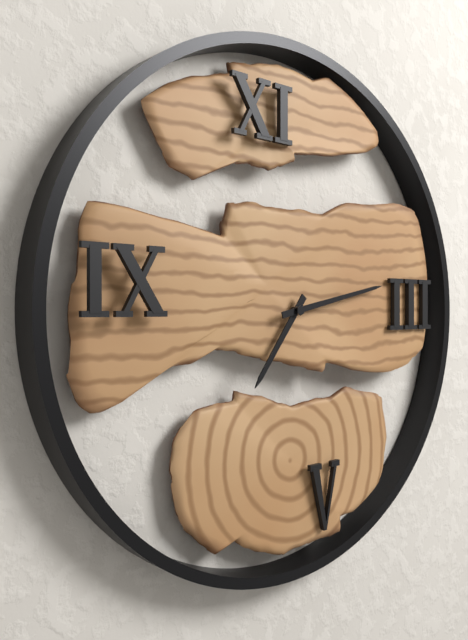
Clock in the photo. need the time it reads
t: 7:13
